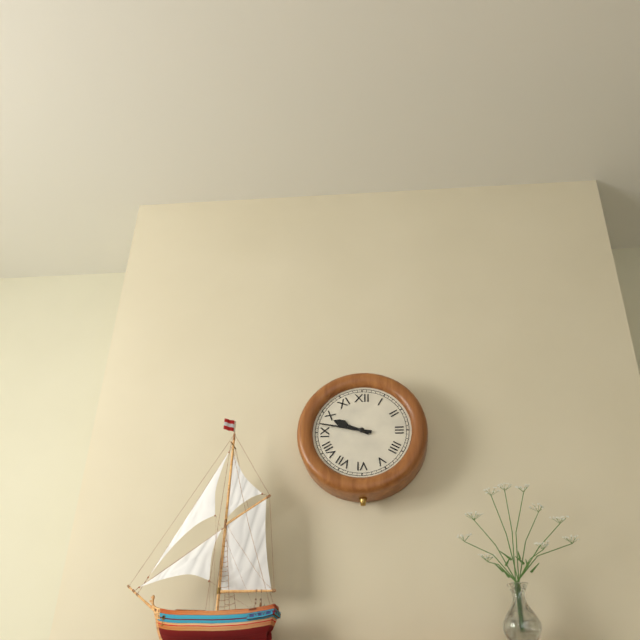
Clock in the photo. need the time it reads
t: 9:47
